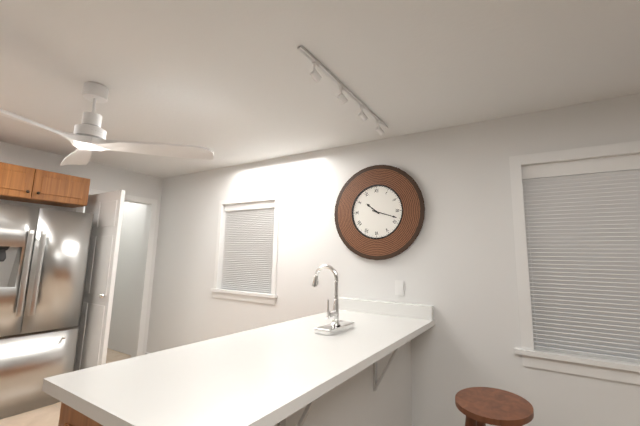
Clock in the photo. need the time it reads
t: 10:18
